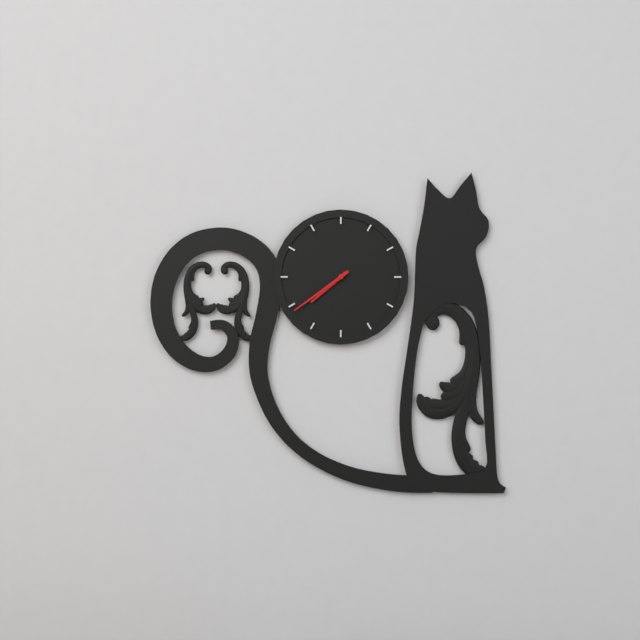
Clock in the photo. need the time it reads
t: 7:39
